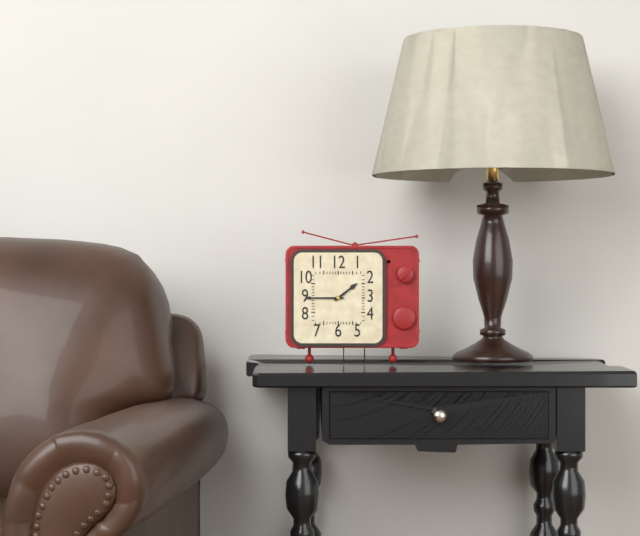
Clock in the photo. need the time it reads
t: 1:45
